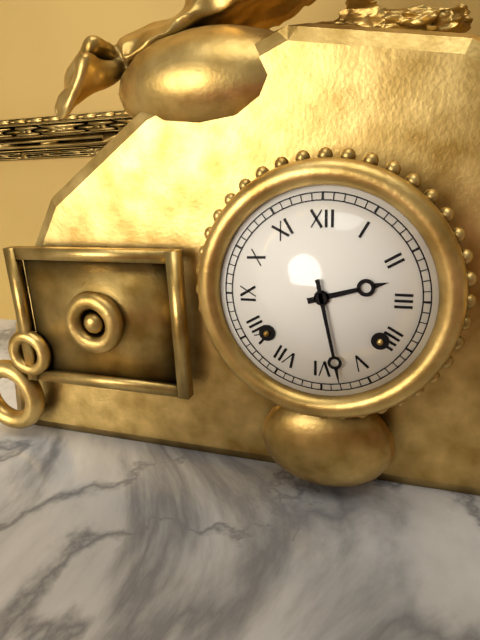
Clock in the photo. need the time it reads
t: 2:28
